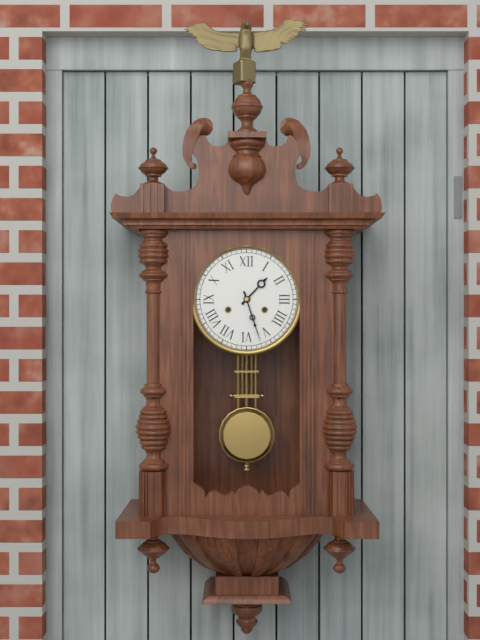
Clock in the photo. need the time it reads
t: 1:27
